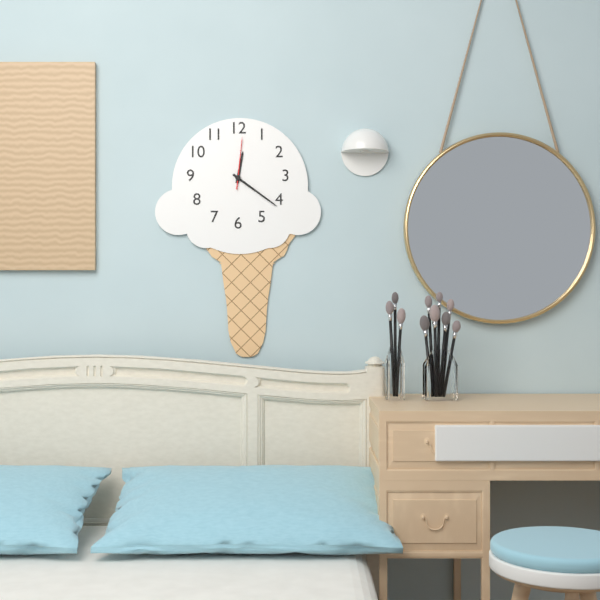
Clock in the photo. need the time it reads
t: 12:21:01
